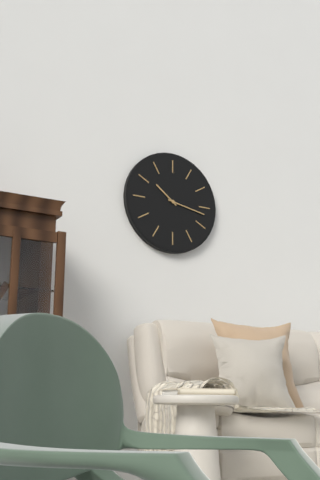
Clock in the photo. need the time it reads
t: 10:17
